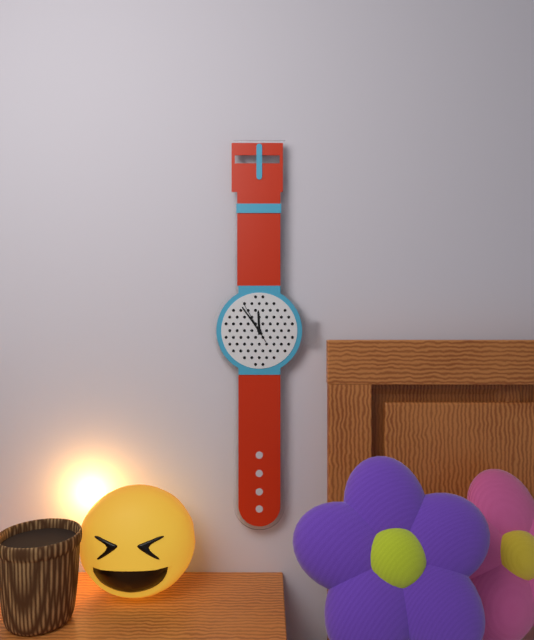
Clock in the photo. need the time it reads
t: 11:54
